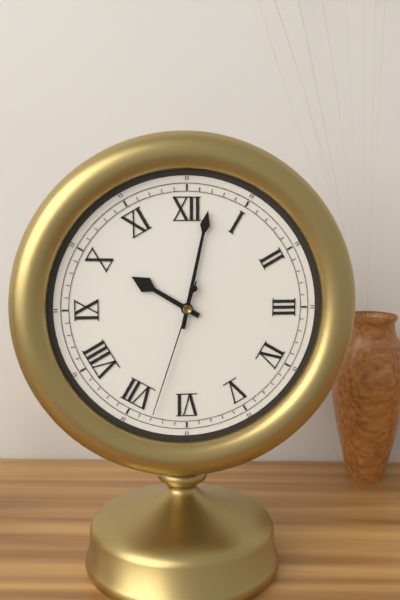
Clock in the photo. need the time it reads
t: 10:02:33
